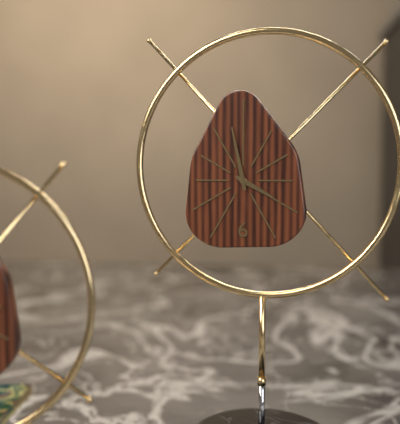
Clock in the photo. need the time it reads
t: 3:58
